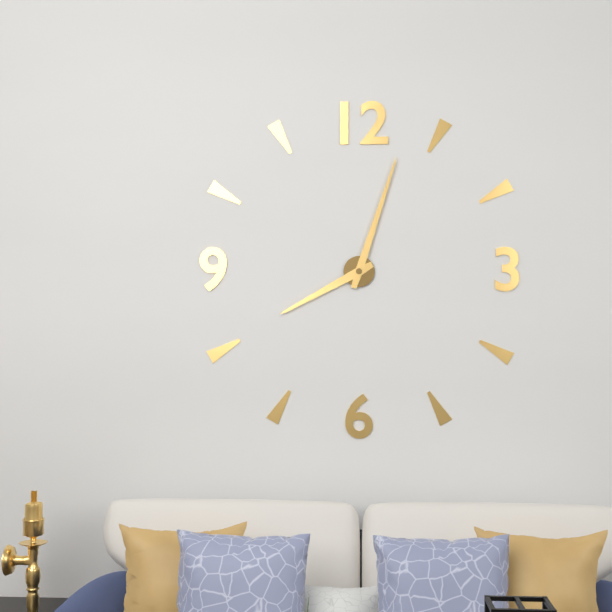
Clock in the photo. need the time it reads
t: 8:03
